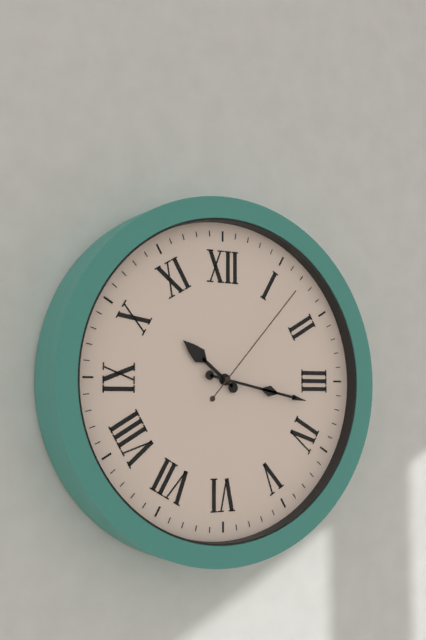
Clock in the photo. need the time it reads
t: 10:17:07
